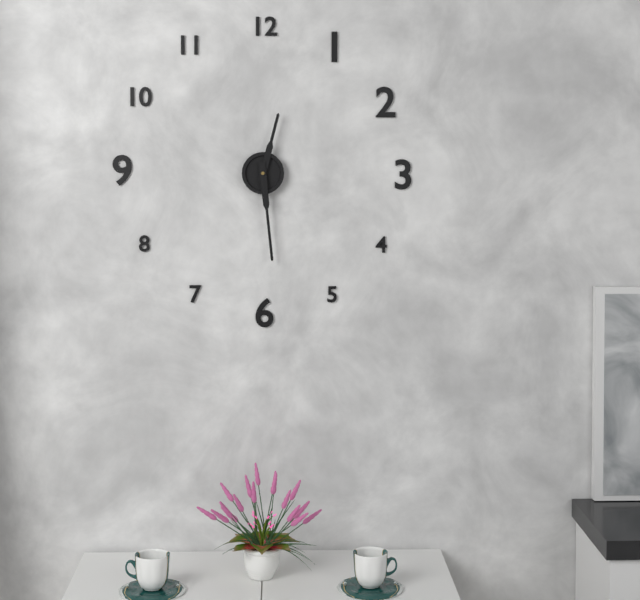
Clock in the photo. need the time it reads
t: 12:29
